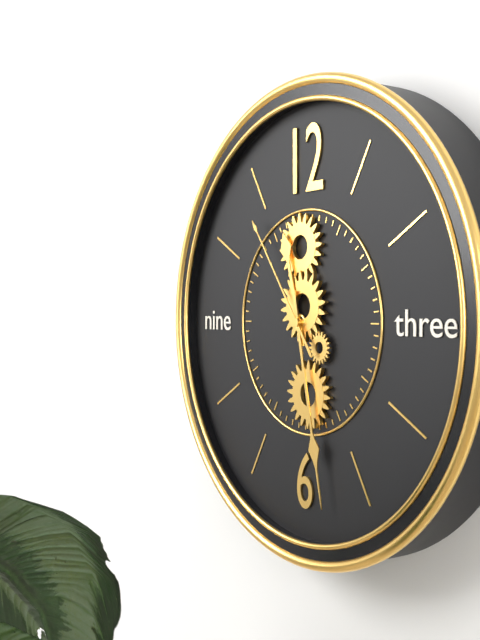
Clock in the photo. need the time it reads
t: 11:28:54
